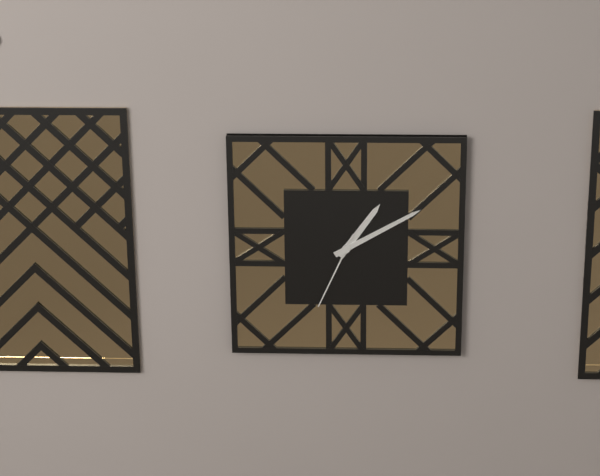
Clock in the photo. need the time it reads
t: 1:10:34
